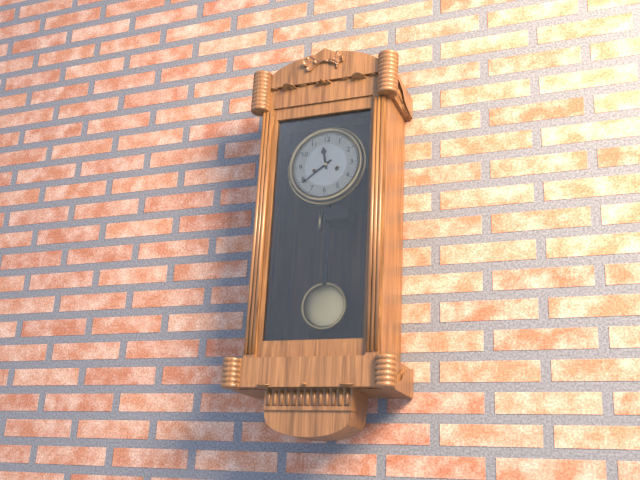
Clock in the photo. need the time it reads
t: 11:39
